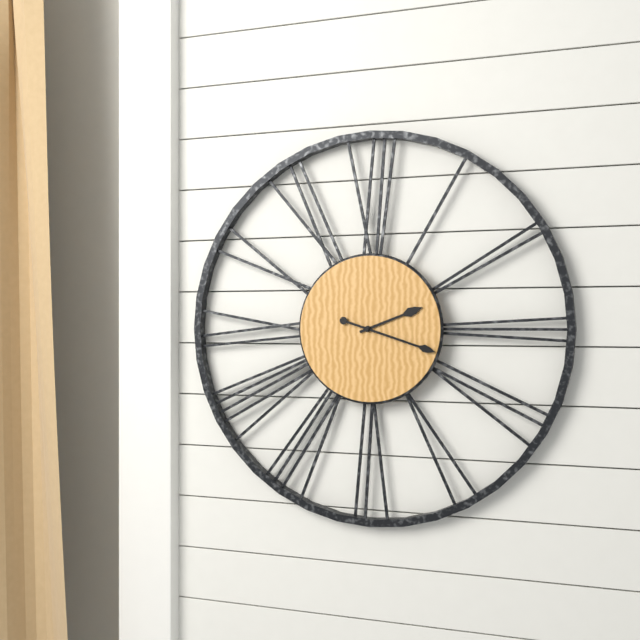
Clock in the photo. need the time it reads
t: 2:18
